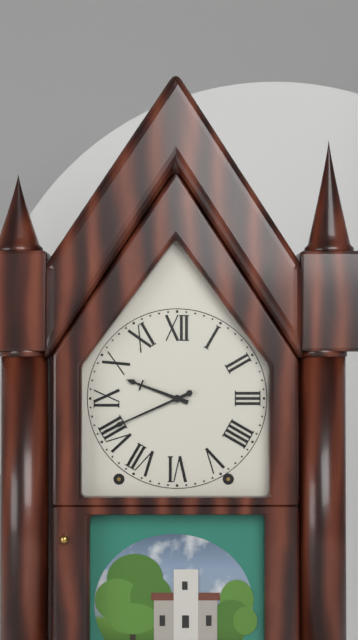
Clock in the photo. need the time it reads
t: 9:41
